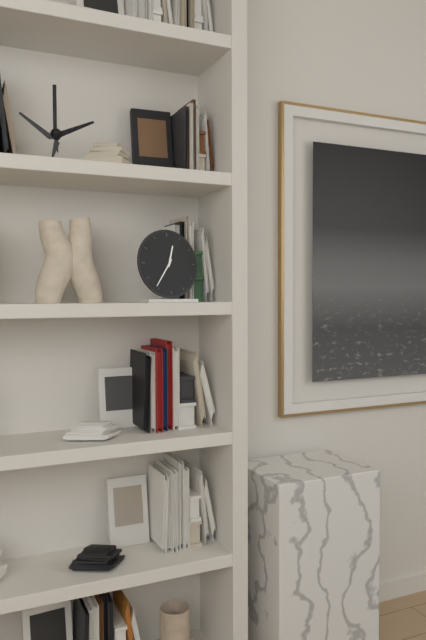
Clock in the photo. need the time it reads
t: 12:36
